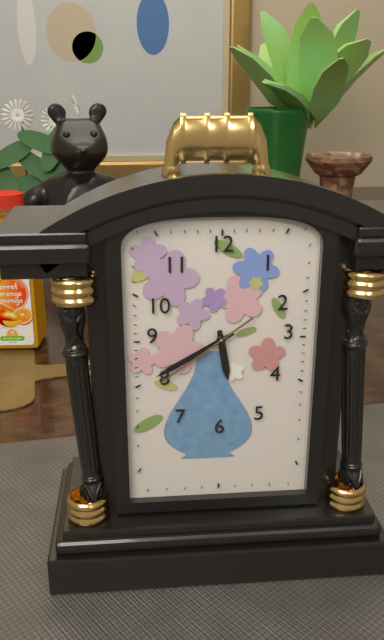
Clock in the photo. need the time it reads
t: 5:40:39
